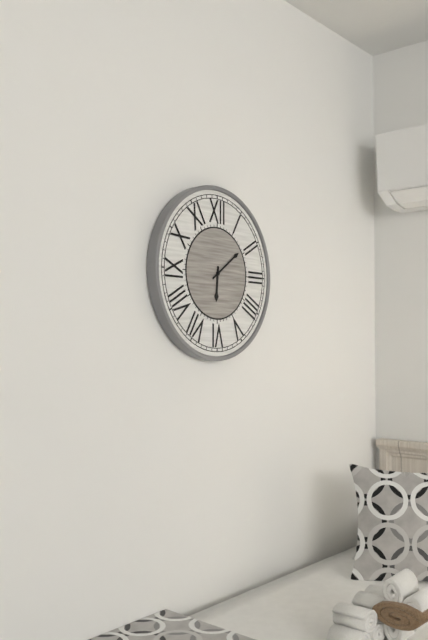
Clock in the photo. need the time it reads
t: 6:09
